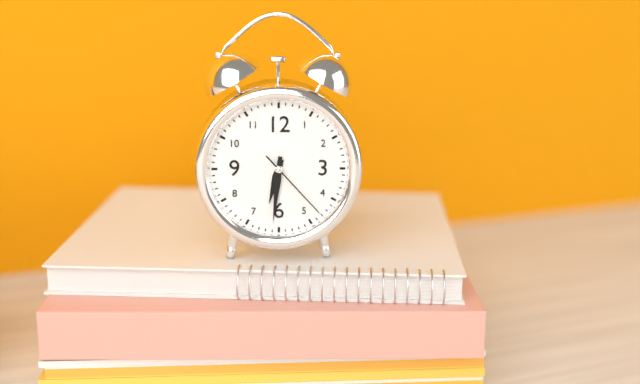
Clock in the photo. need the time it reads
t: 6:31:23
